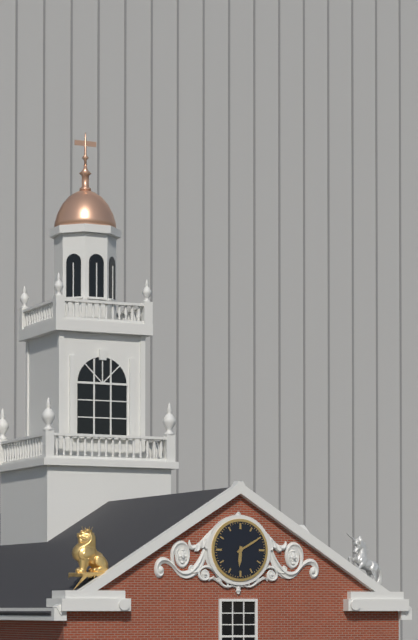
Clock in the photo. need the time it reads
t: 6:10
